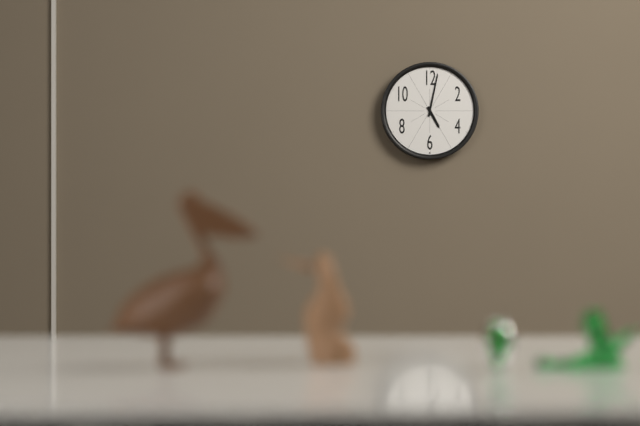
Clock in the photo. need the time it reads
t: 5:02
